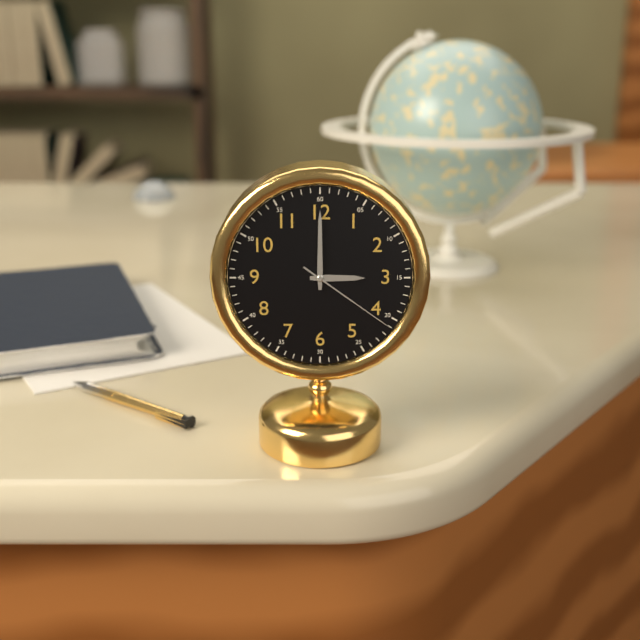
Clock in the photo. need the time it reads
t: 3:00:21
